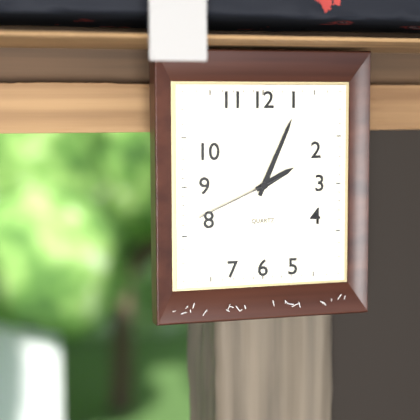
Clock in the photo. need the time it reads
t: 2:04:41
